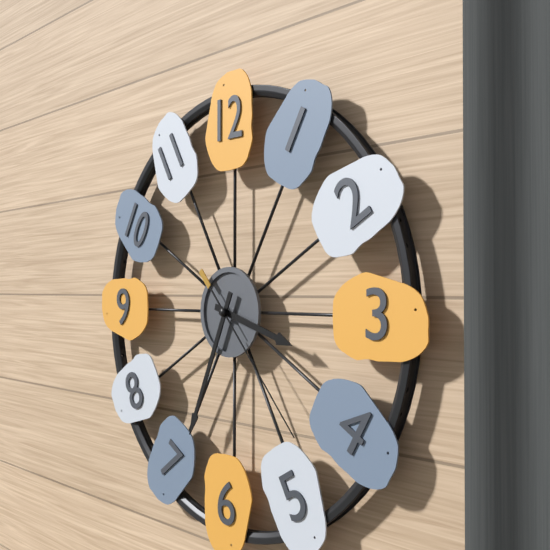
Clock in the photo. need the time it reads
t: 3:34:23
